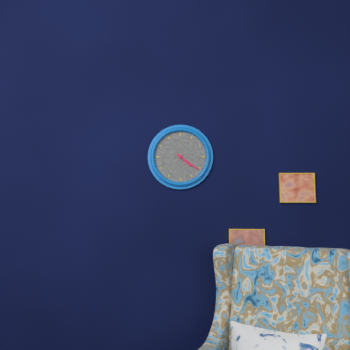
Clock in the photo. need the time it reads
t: 4:21
